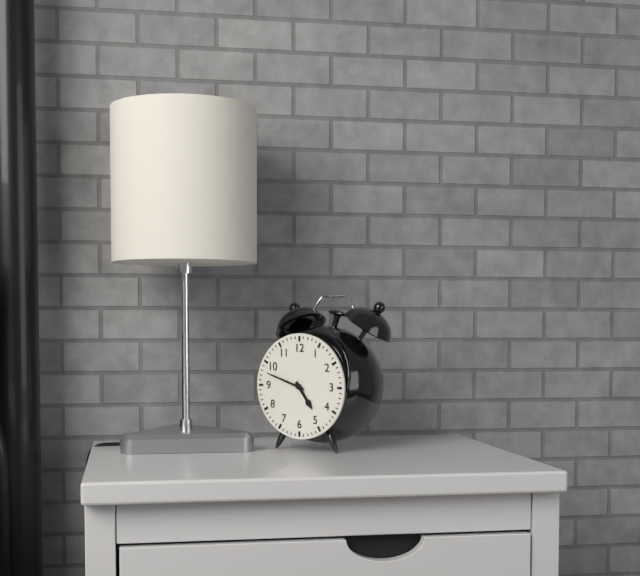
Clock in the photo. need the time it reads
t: 4:48
